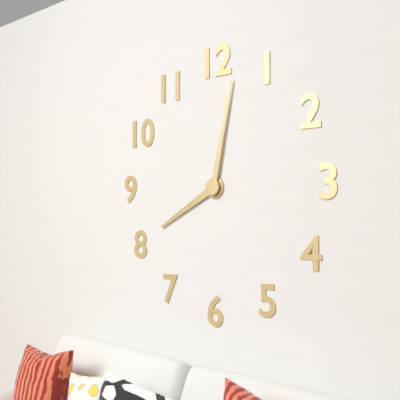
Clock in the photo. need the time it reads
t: 8:02
